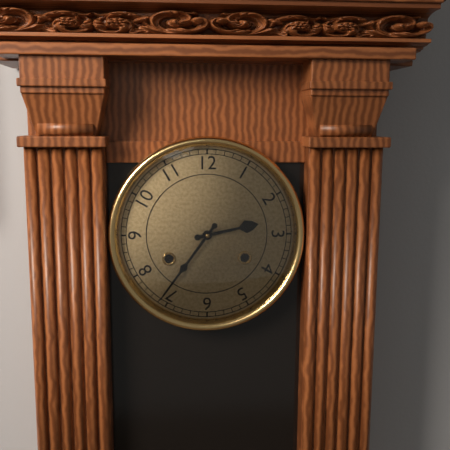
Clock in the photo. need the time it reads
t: 2:36
